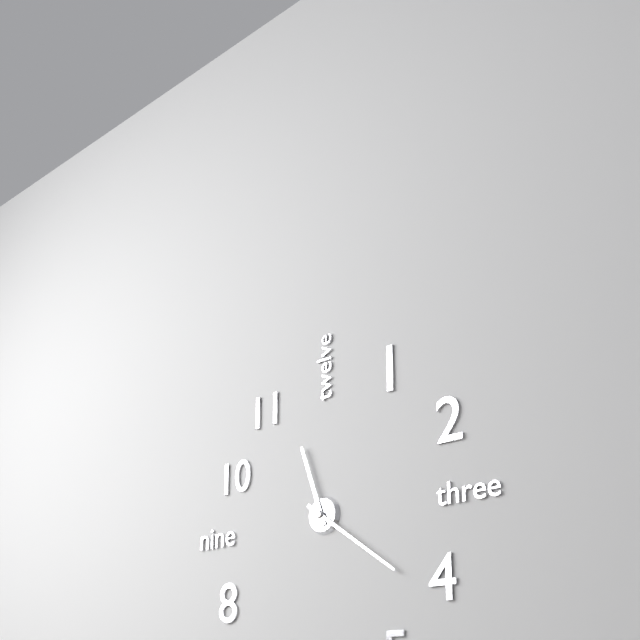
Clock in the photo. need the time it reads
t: 11:21
